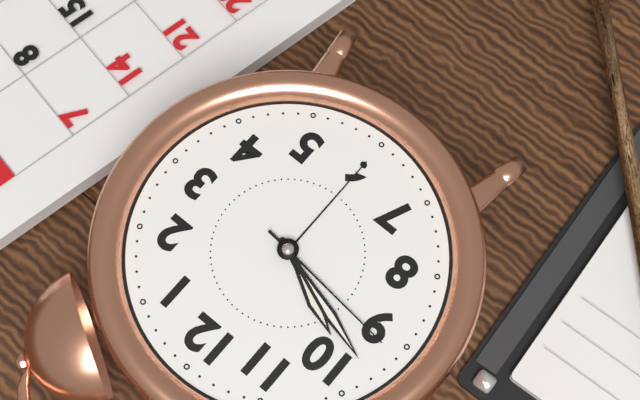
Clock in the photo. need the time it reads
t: 9:48:46
